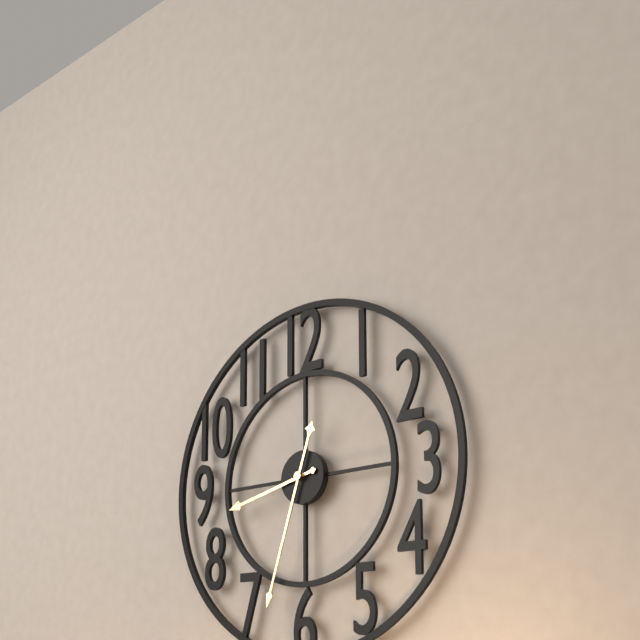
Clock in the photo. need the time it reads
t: 8:33
